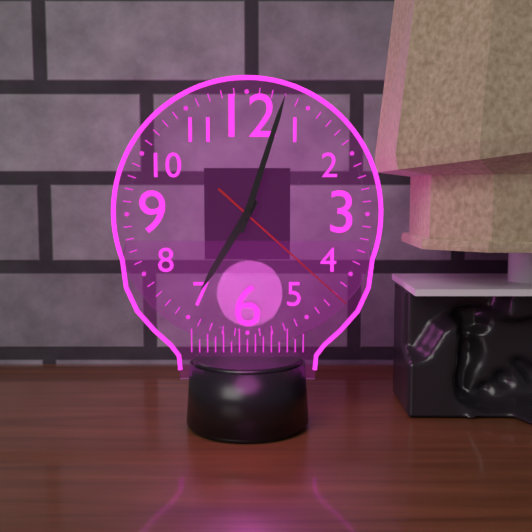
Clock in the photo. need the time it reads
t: 7:03:22
